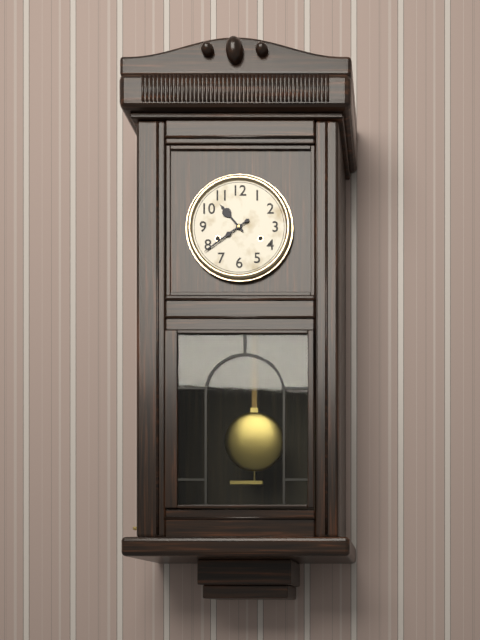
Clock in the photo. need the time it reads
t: 10:39
